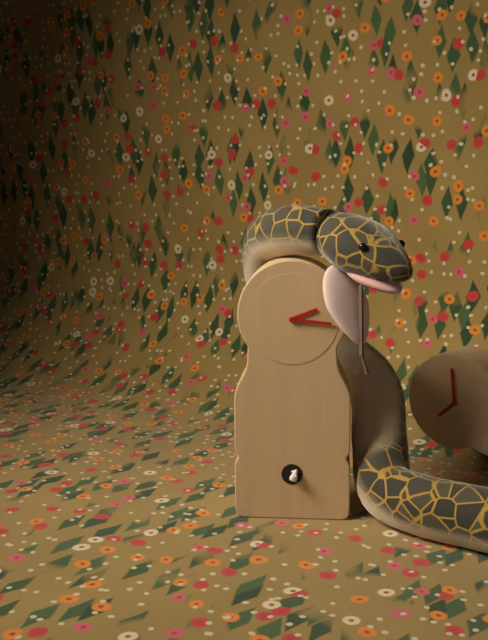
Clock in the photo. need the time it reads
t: 2:16
